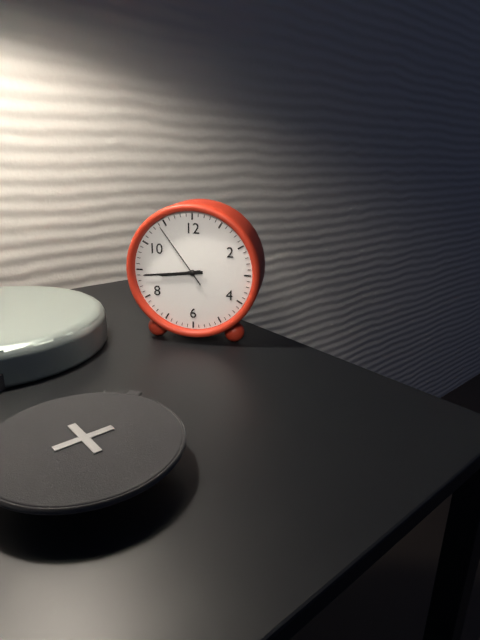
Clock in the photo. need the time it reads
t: 8:44:54
